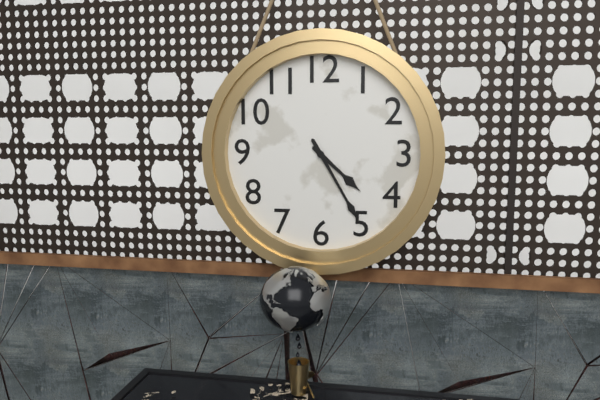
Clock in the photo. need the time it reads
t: 4:25
